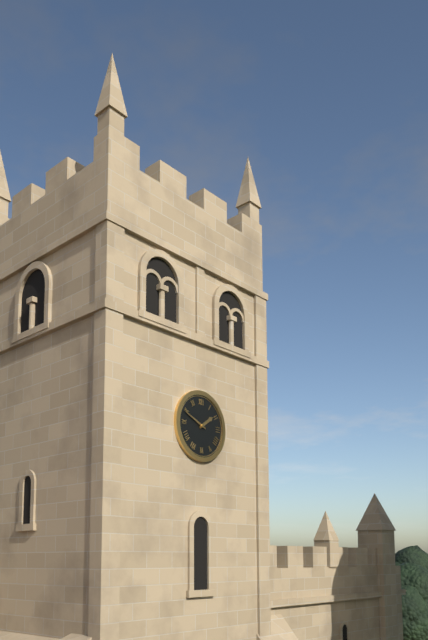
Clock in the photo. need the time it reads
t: 1:49
